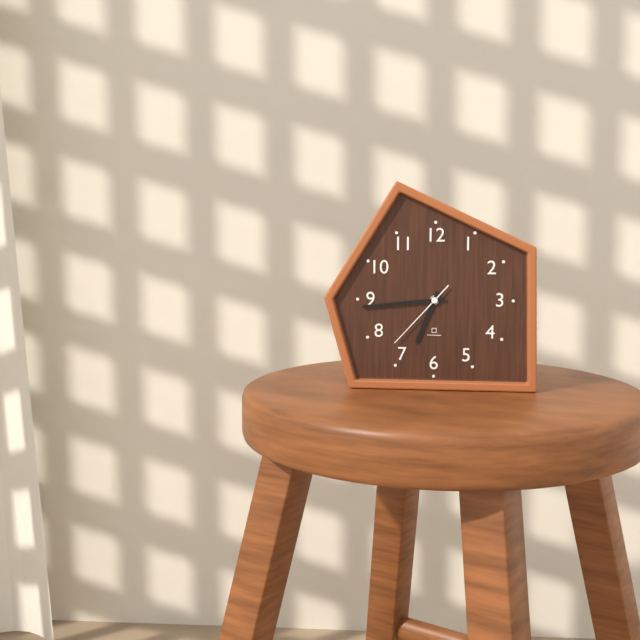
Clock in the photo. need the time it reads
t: 6:44:37
